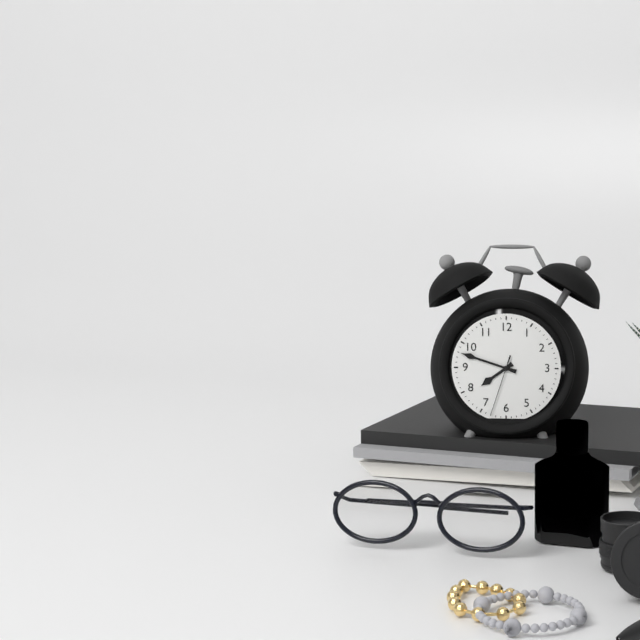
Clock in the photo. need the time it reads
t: 7:48:33
